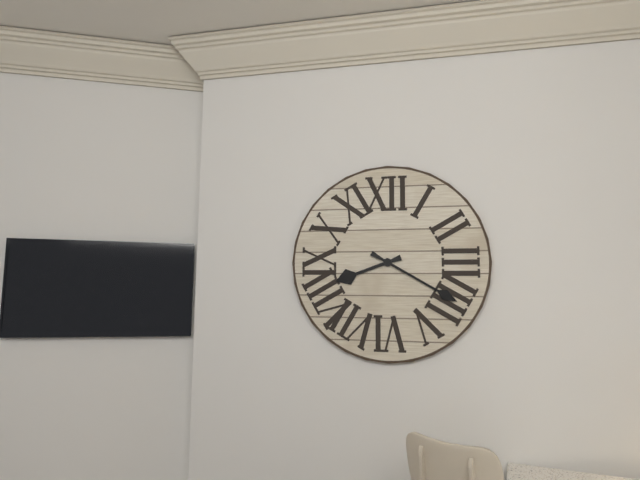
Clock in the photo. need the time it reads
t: 8:20
